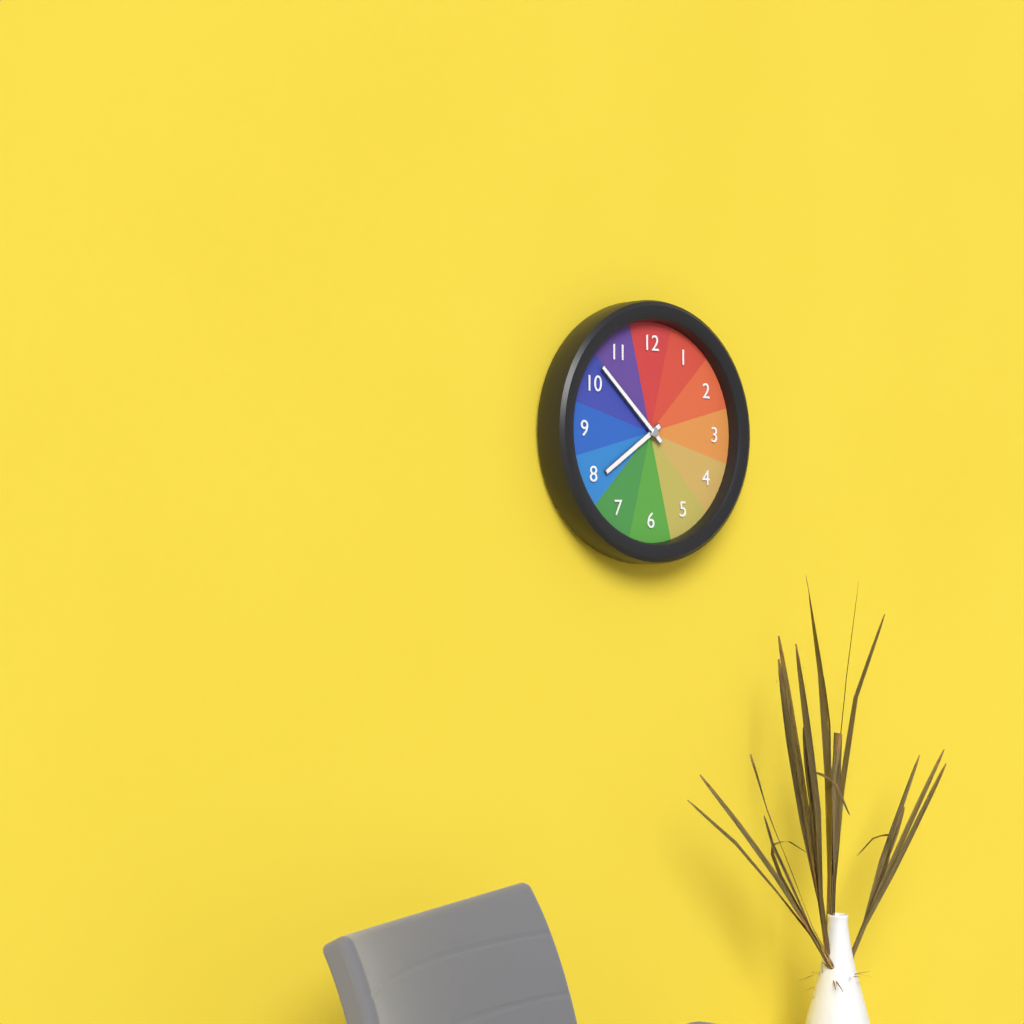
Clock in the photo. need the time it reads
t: 7:52
